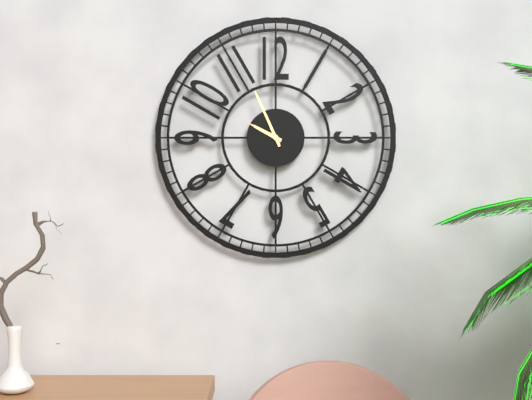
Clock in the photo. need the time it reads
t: 9:56
